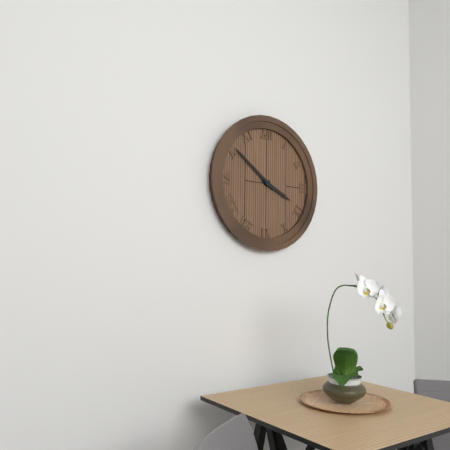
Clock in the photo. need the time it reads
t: 3:51
